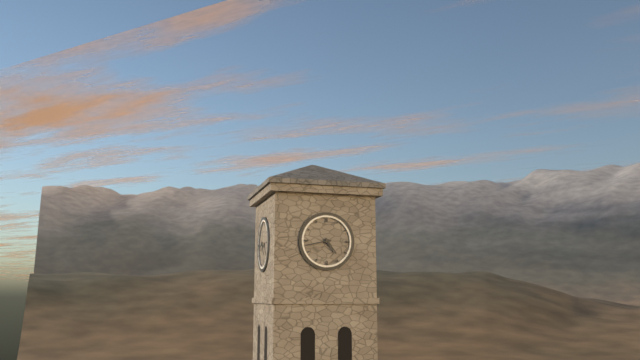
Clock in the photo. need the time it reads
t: 4:43
